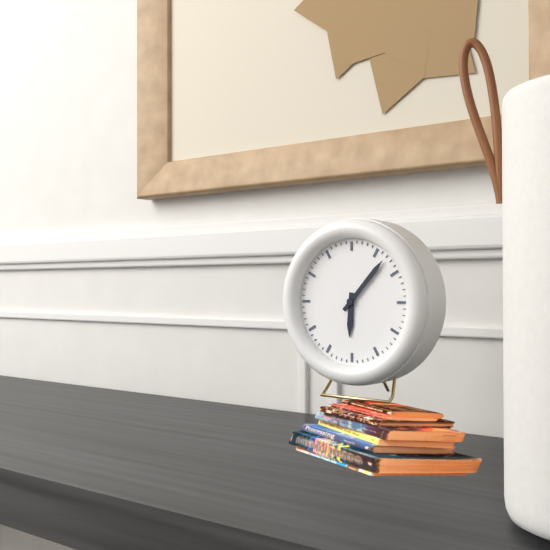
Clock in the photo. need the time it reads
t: 6:07
